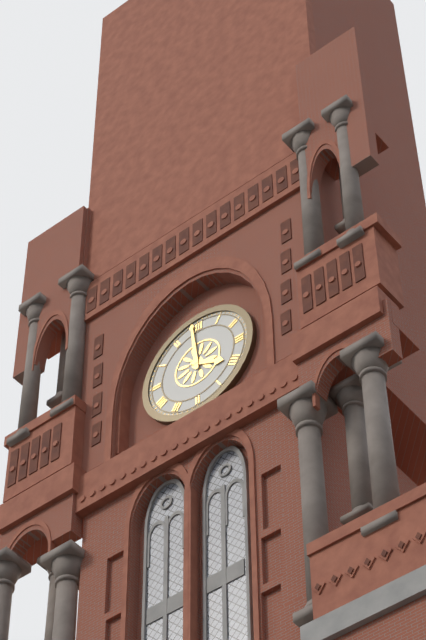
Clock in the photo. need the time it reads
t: 3:59
